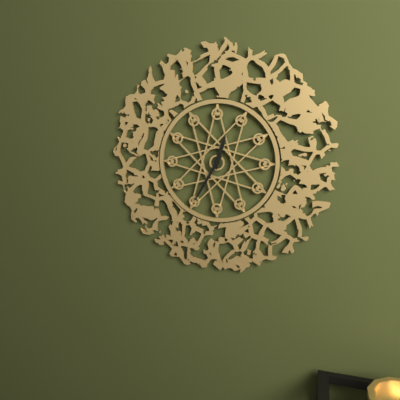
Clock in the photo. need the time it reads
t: 12:35
